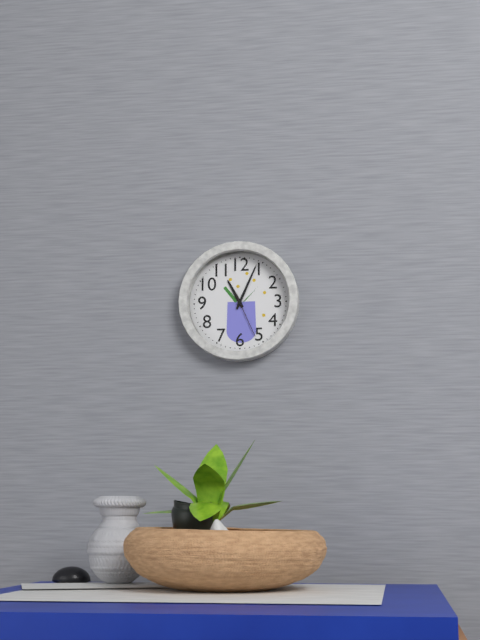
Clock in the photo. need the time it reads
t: 11:04
